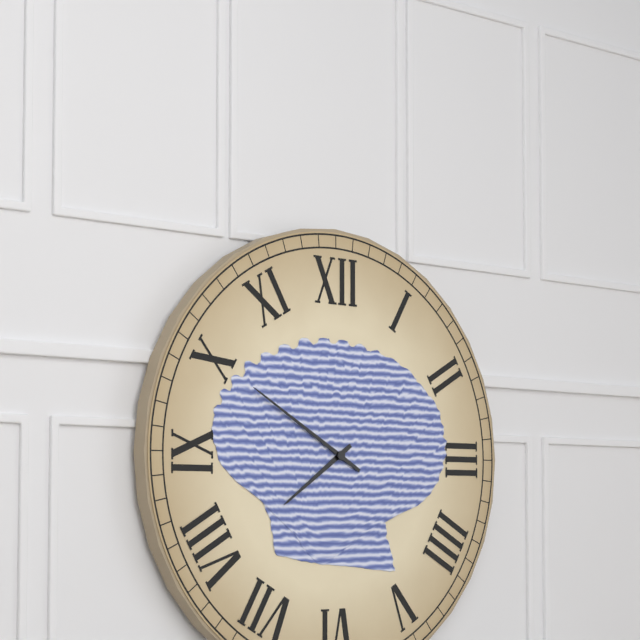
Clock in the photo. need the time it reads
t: 7:50
